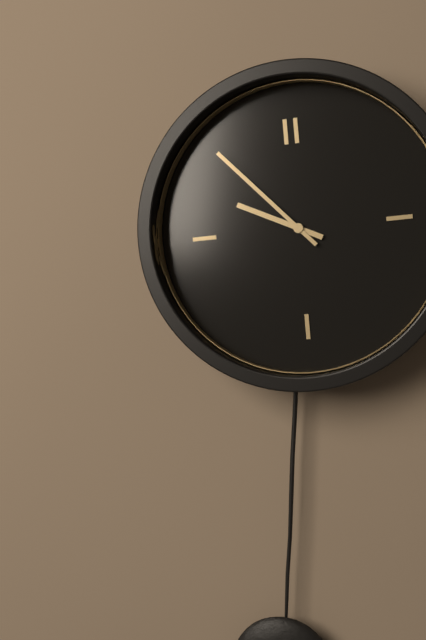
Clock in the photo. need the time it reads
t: 9:53
